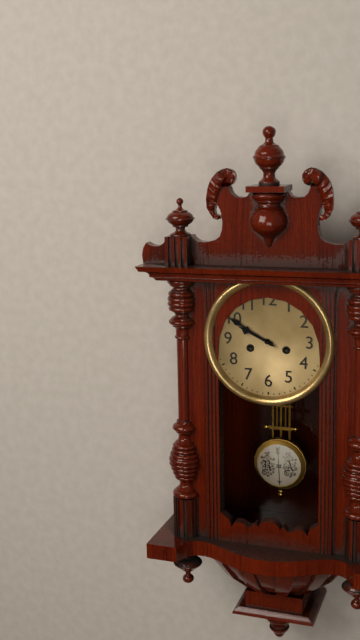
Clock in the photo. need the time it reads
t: 9:50
